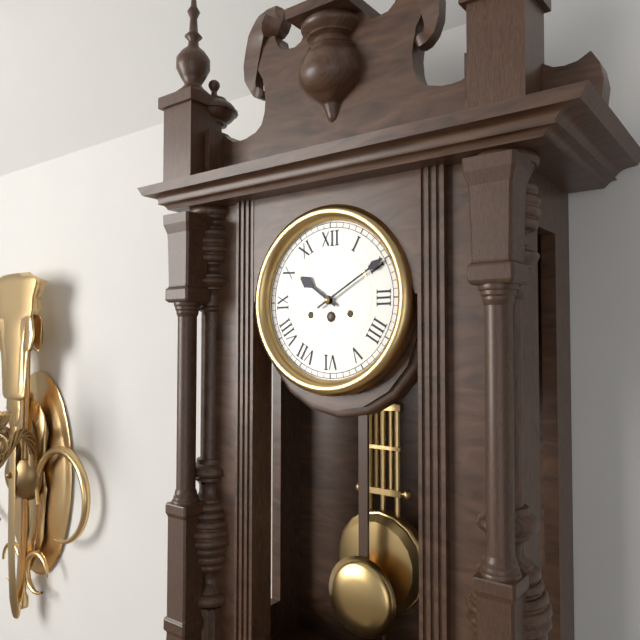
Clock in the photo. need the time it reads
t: 10:10
